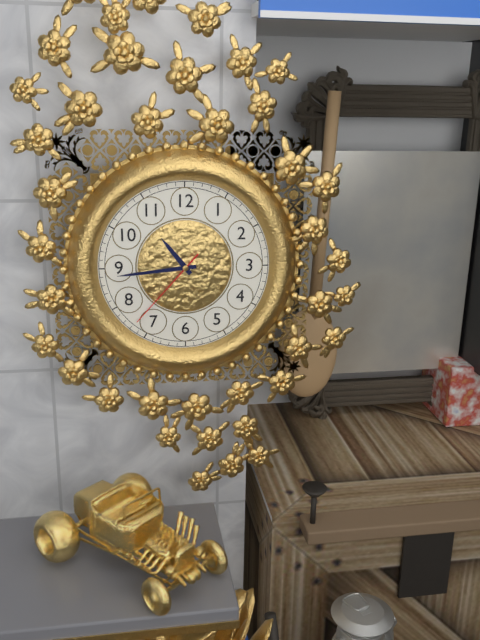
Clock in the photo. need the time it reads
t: 10:44:37
